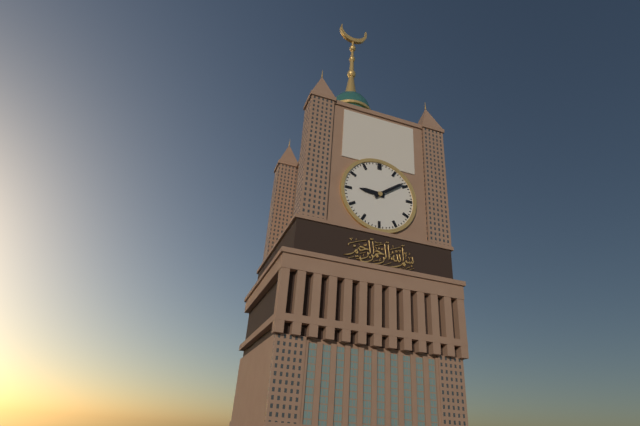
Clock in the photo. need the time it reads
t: 9:09
